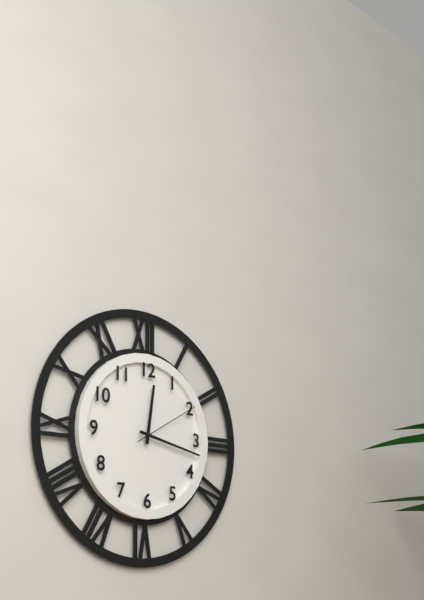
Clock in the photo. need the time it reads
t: 12:17:10
